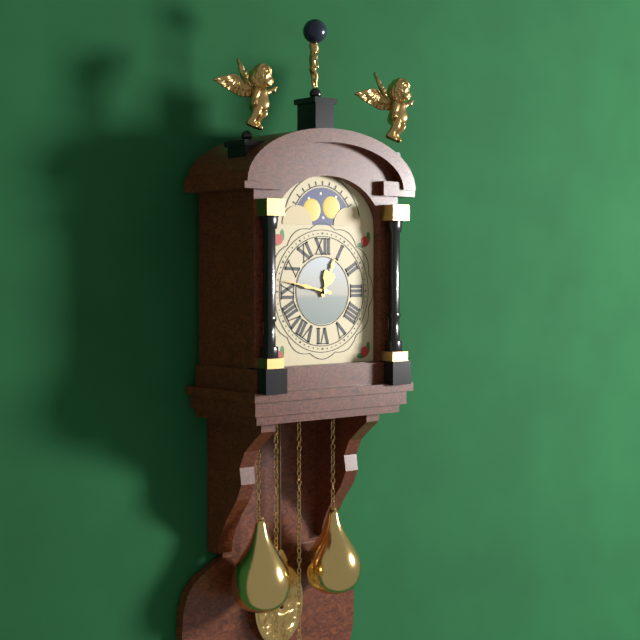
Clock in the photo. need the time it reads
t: 12:47
